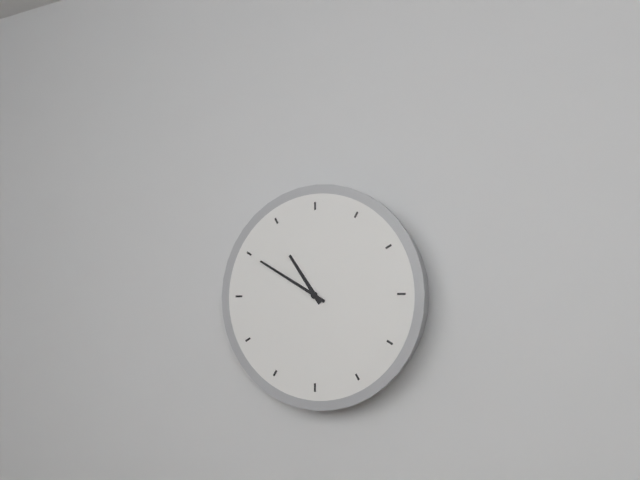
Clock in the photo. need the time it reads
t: 10:50
